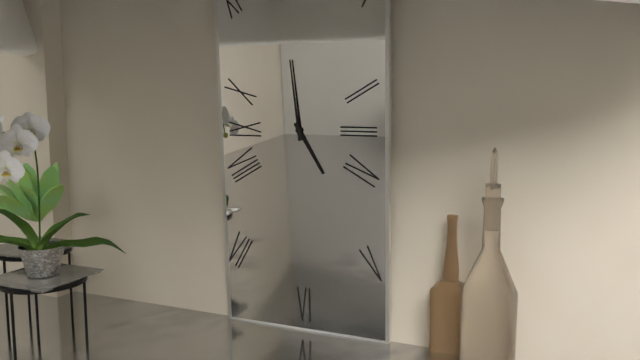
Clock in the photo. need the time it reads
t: 4:59
